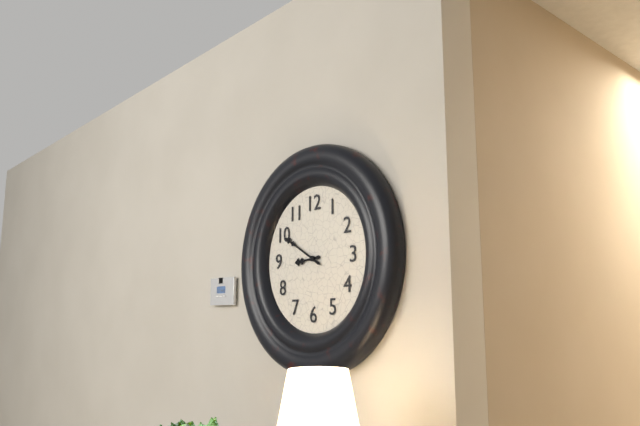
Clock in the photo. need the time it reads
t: 8:50
